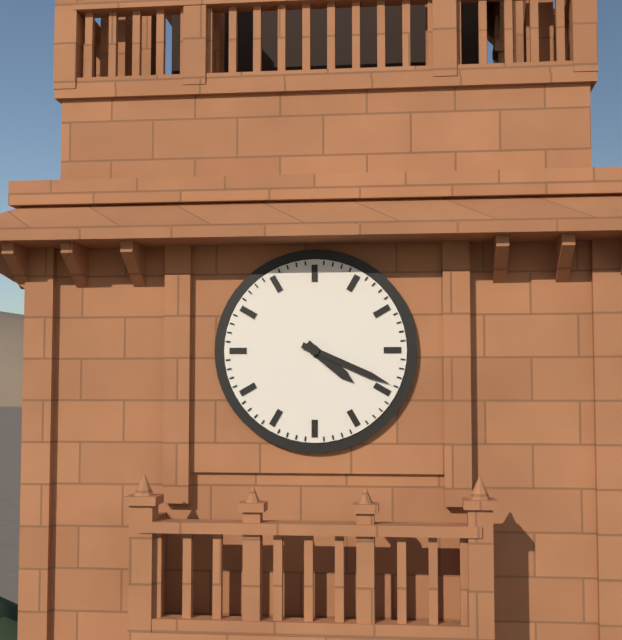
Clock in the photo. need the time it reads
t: 4:19
